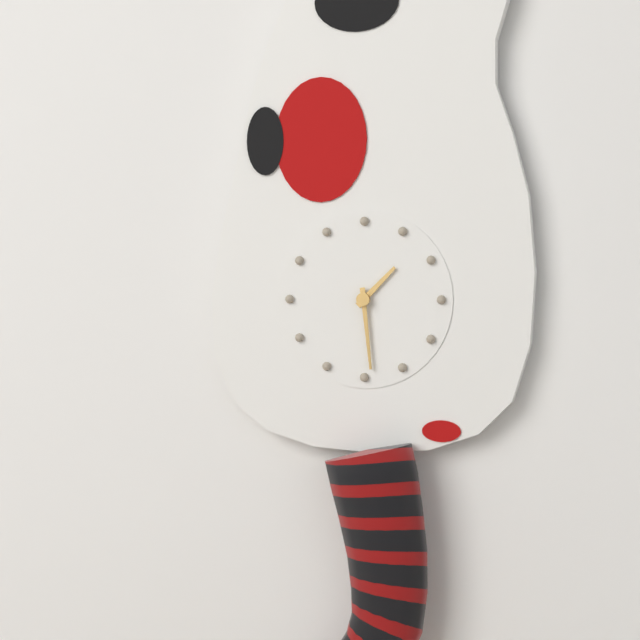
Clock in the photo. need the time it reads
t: 1:29
